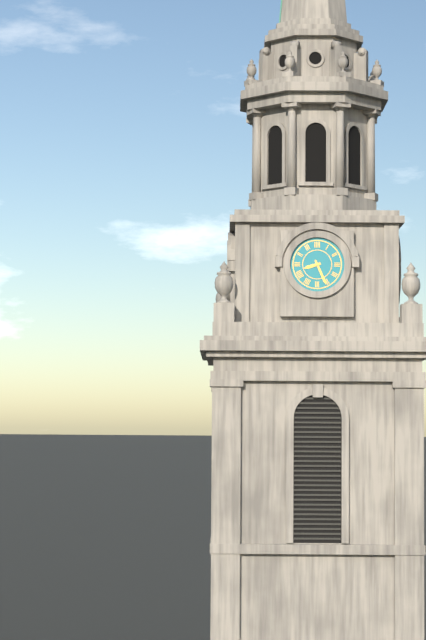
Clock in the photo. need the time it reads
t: 8:26
